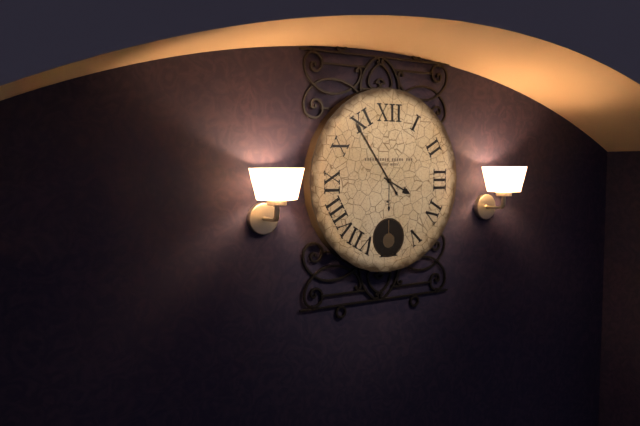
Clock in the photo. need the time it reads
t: 3:54
